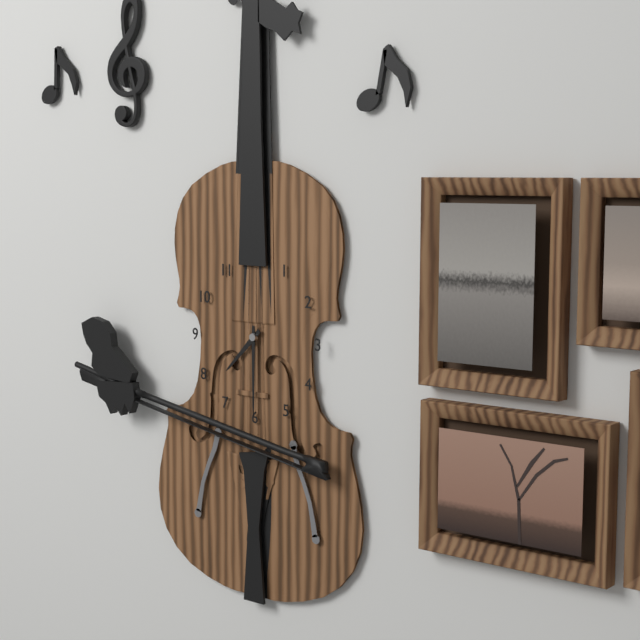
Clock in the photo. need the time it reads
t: 7:30
